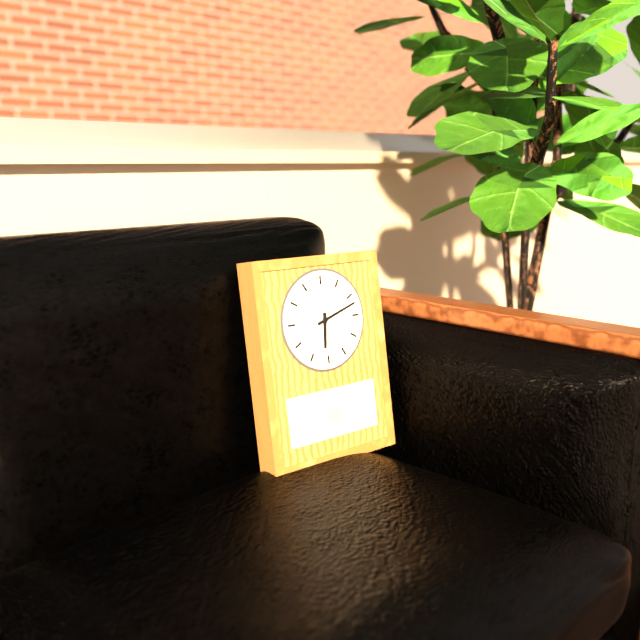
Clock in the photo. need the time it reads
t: 6:12
